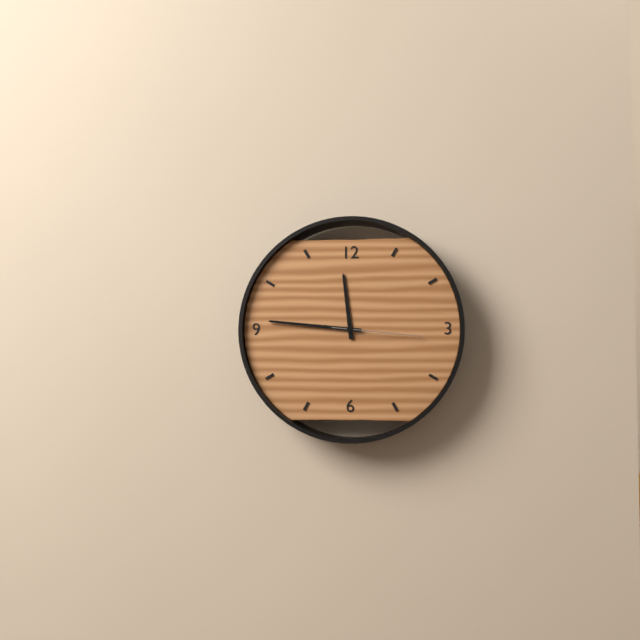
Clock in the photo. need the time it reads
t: 11:46:16
